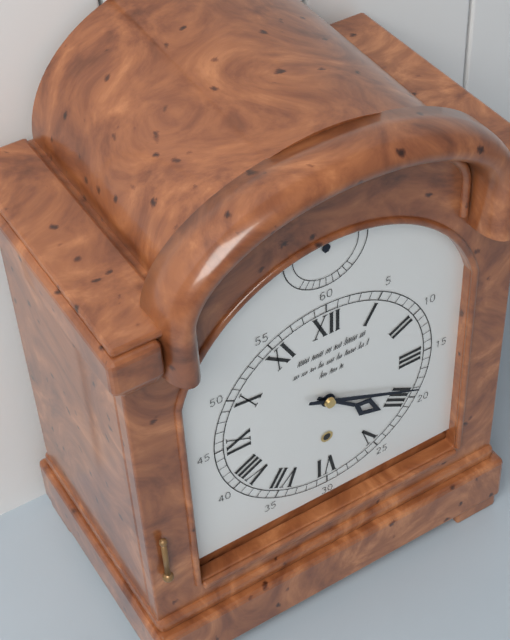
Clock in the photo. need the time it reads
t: 4:19
